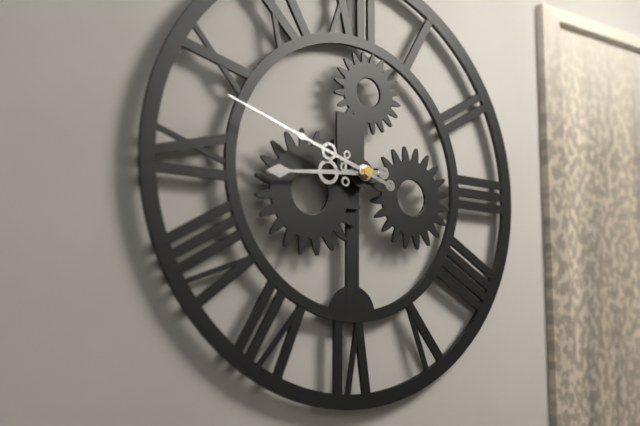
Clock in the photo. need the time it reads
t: 8:48
